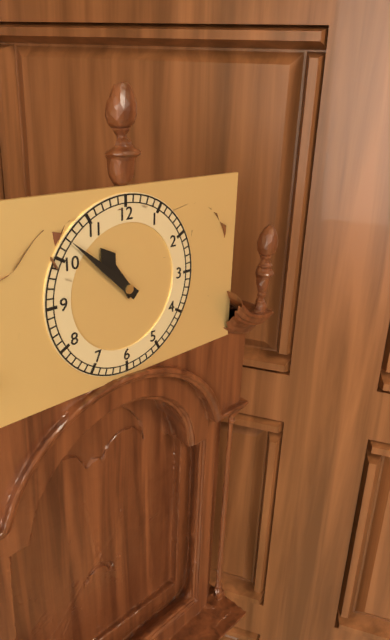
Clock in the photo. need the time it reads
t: 10:52
